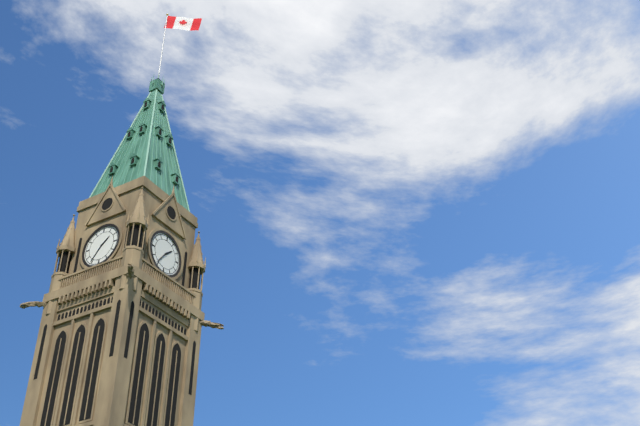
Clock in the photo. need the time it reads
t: 1:36
